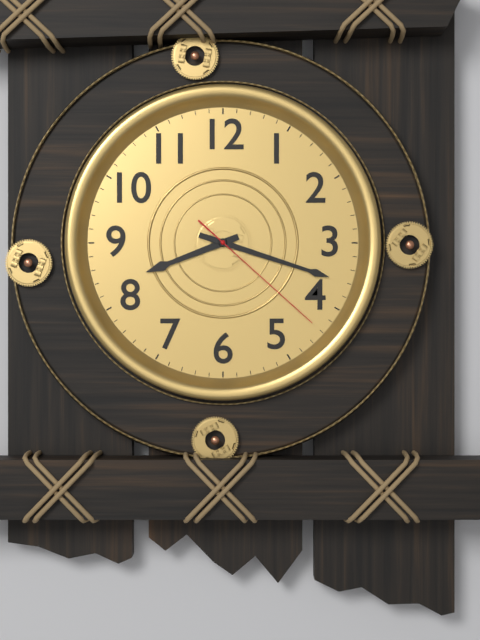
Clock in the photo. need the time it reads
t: 8:18:22
